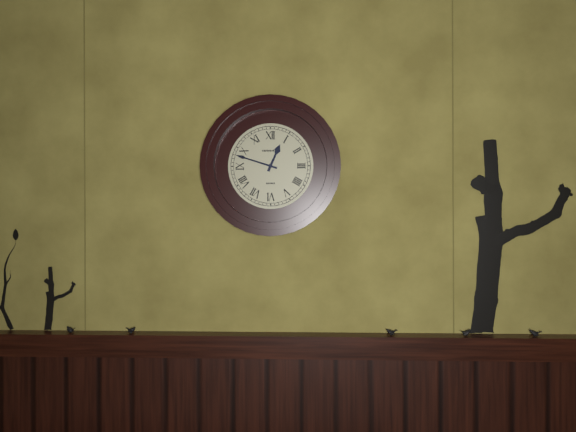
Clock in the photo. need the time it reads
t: 12:48
